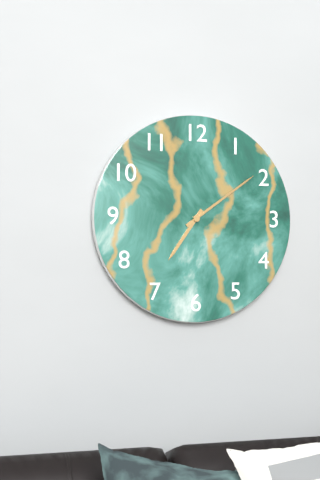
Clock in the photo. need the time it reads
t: 7:09
